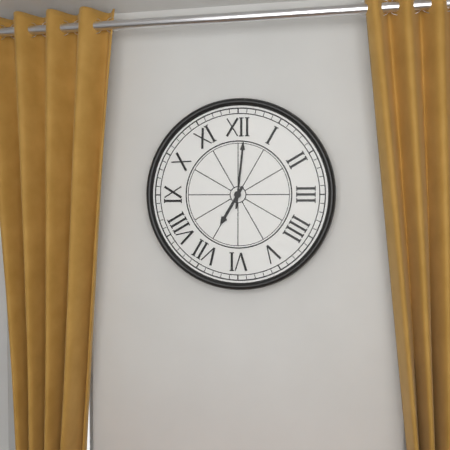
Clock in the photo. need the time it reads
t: 7:01
